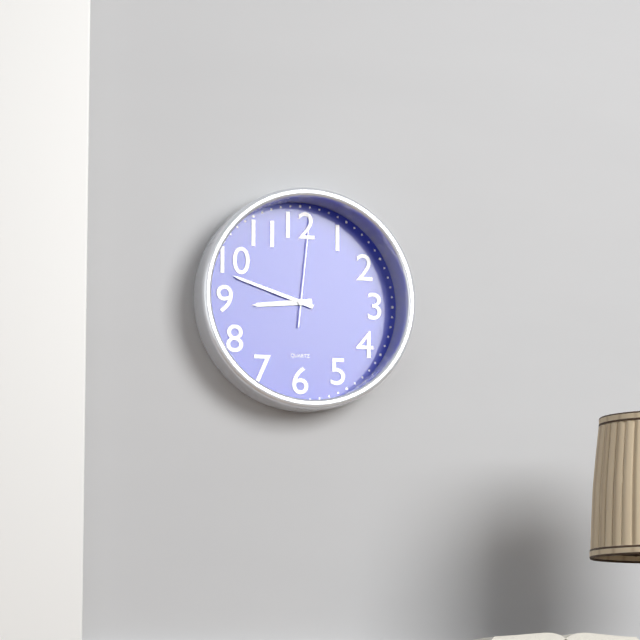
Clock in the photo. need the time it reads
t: 8:48:01
